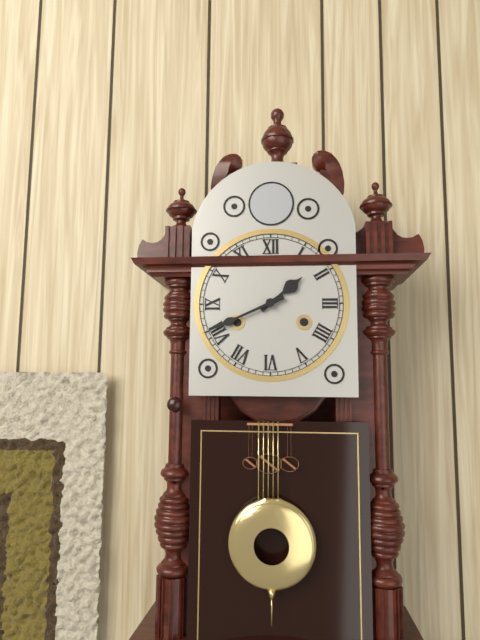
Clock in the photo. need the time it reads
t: 1:41
